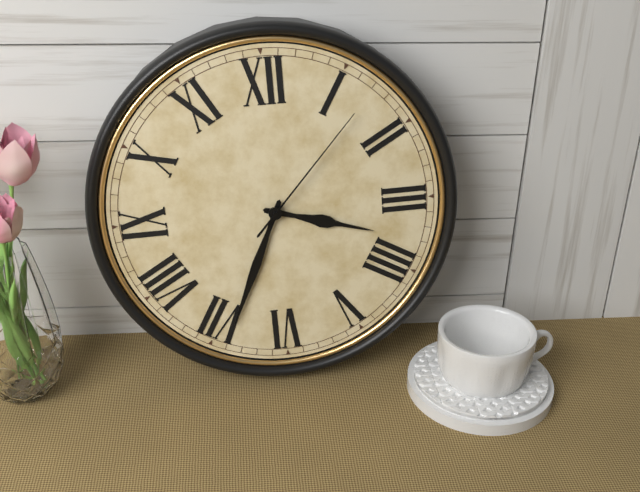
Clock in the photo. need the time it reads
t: 3:34:07
